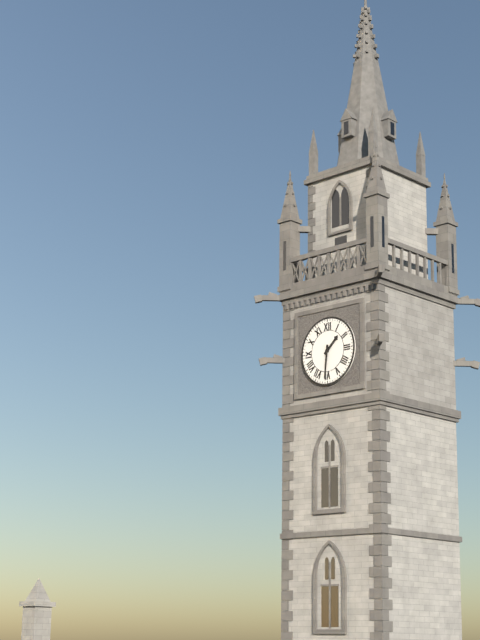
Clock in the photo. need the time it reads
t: 1:31
